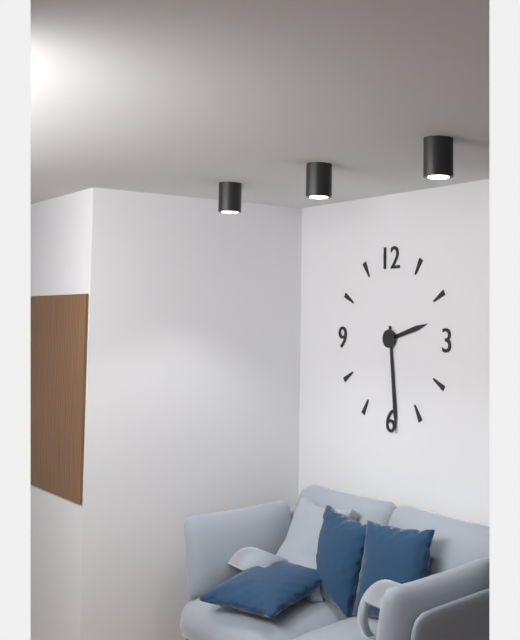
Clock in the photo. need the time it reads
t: 2:29
